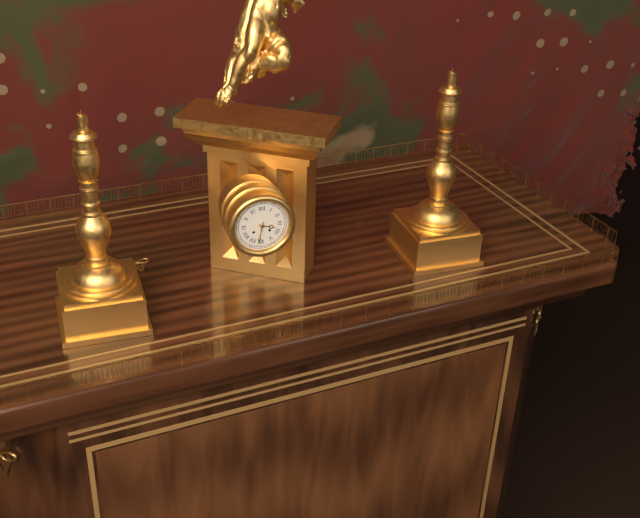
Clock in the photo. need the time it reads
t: 3:32
